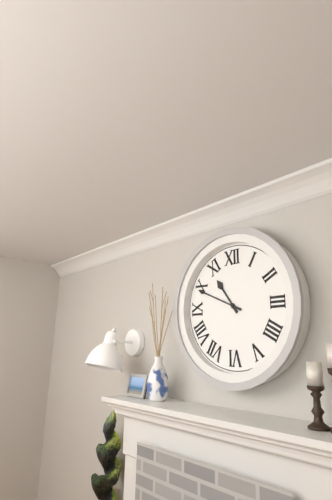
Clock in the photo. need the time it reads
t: 10:49
